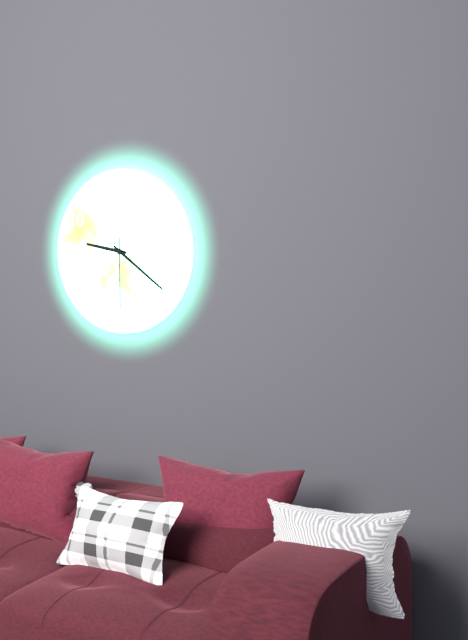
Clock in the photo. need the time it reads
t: 9:21:30
